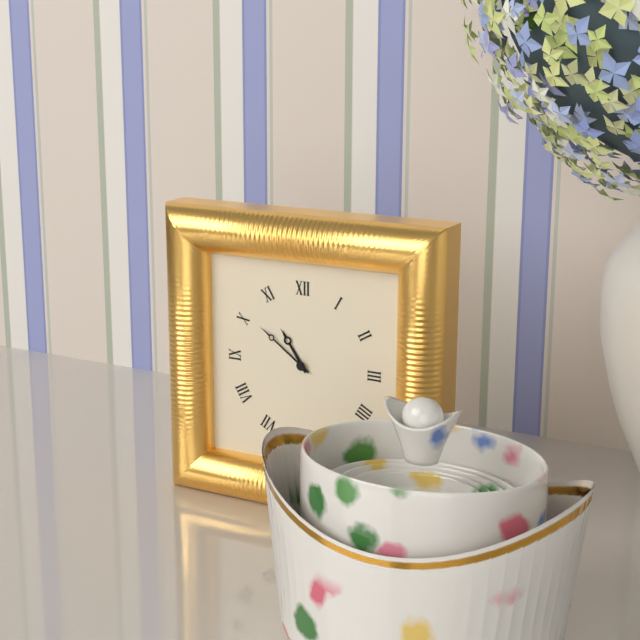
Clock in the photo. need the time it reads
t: 10:51
